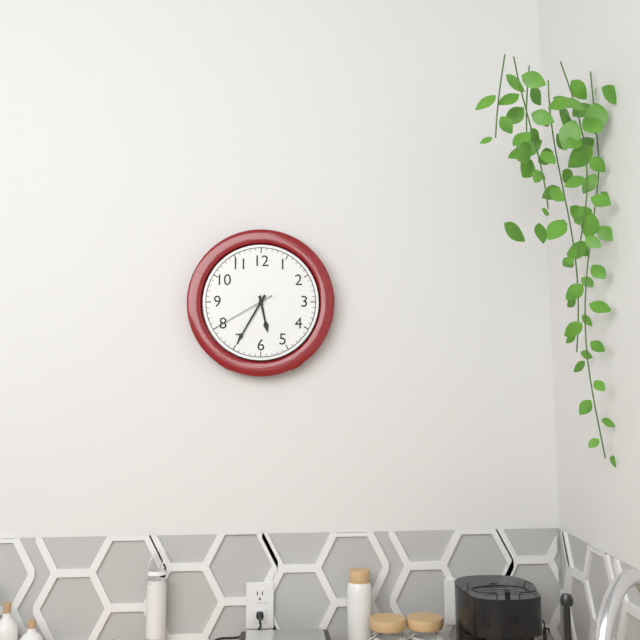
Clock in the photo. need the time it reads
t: 5:35:40
